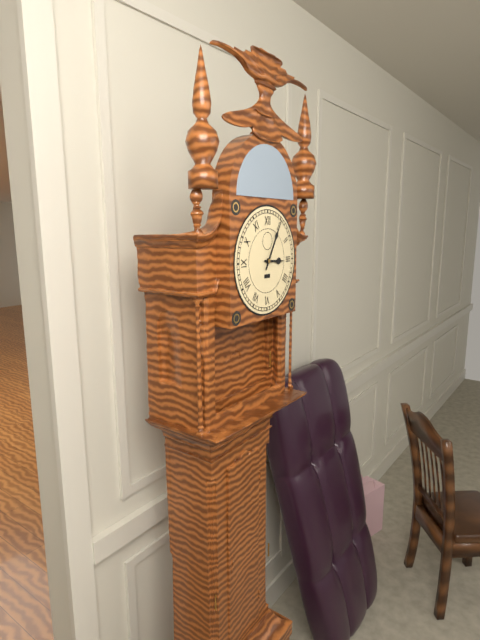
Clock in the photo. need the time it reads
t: 3:05
